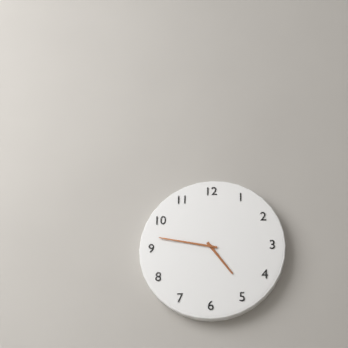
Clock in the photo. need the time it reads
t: 4:47
